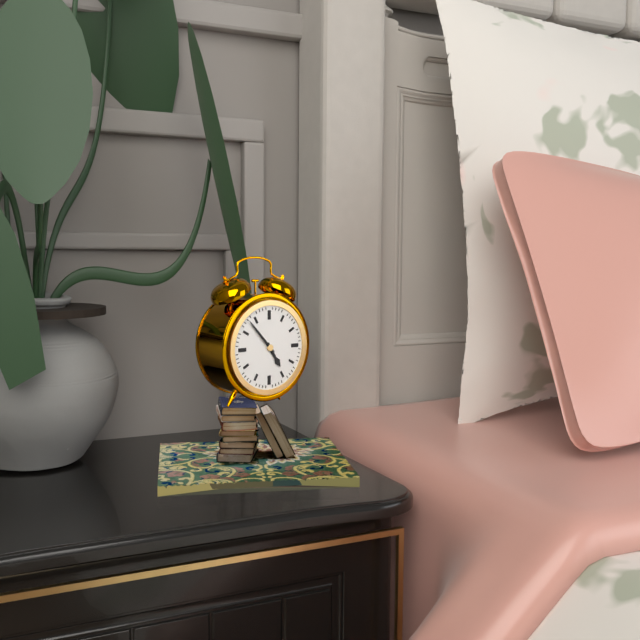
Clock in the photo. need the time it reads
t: 4:53
